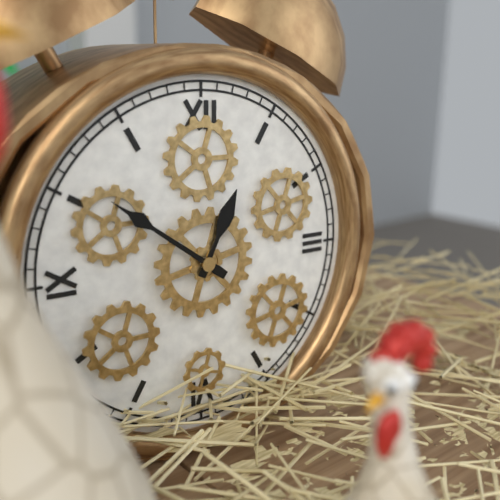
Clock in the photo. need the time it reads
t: 12:51
